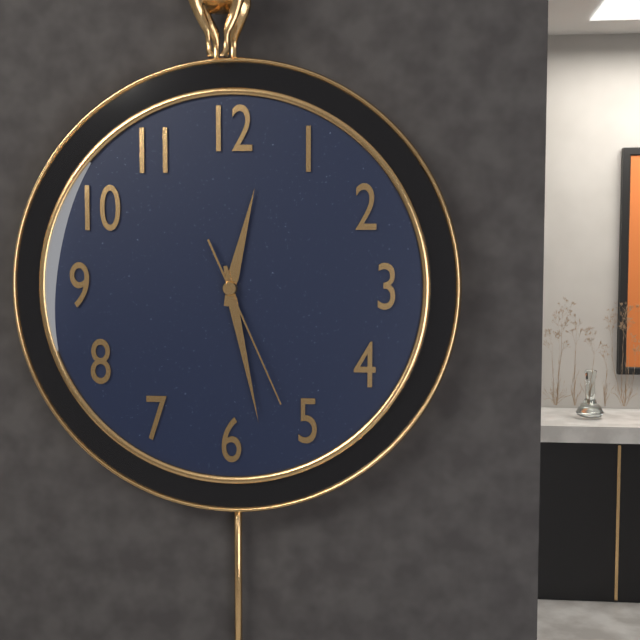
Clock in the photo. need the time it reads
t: 12:28:26
